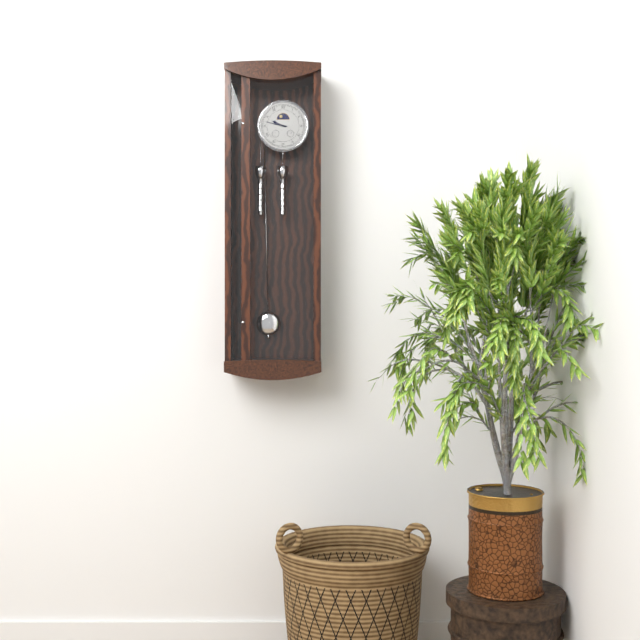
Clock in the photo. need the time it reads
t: 9:47
